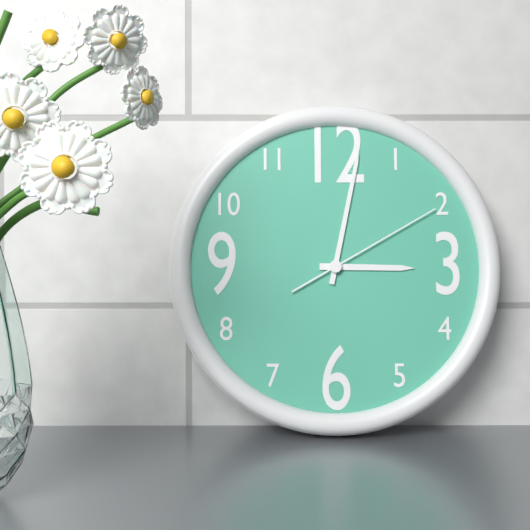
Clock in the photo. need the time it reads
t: 3:02:10
